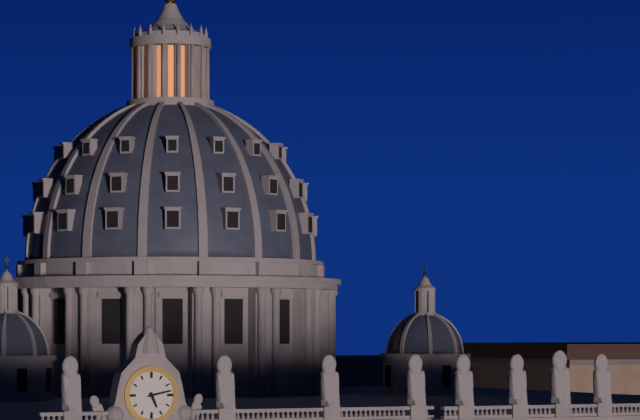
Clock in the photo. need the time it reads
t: 5:13
